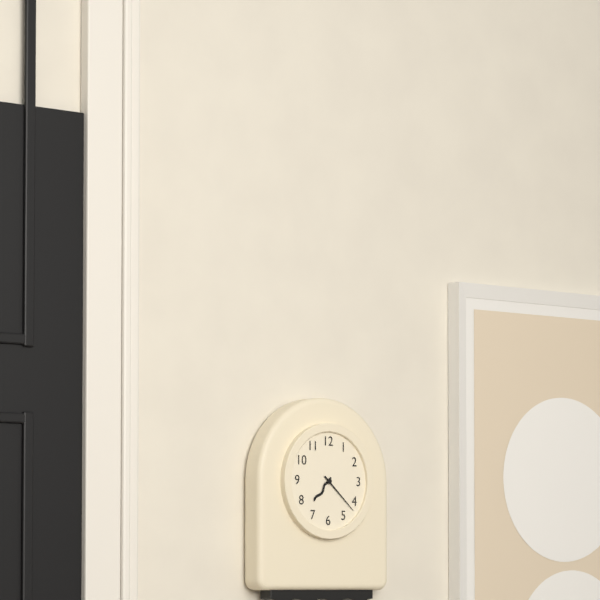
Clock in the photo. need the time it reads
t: 7:22
